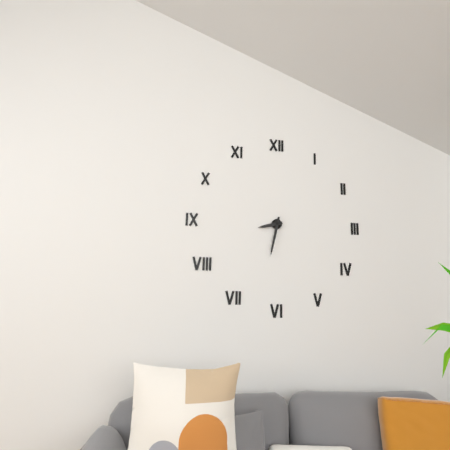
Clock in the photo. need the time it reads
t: 8:32
